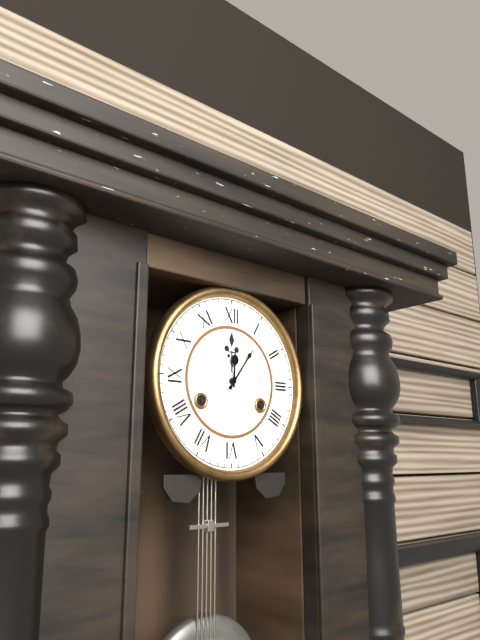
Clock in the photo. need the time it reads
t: 12:06
